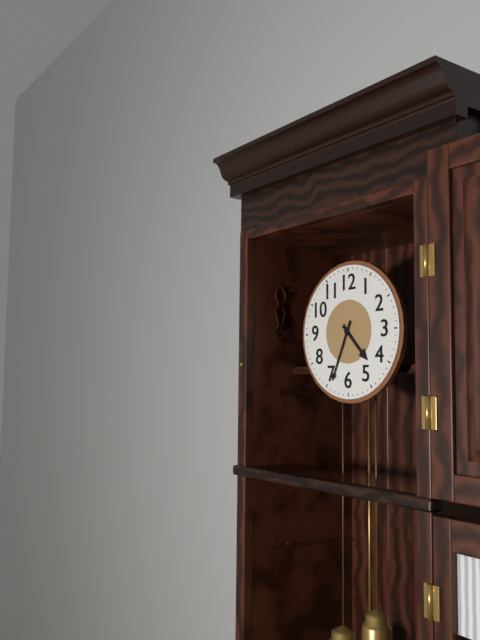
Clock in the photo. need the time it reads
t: 4:34
